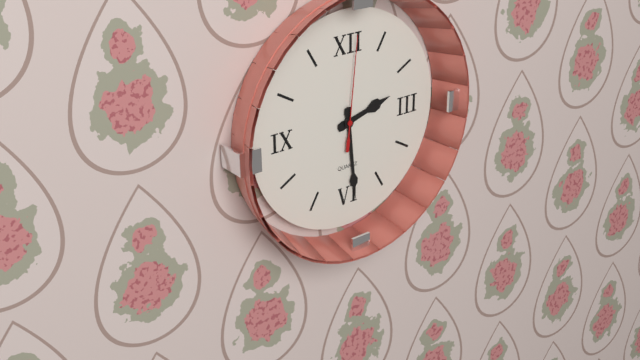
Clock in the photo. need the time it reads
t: 2:29:01
